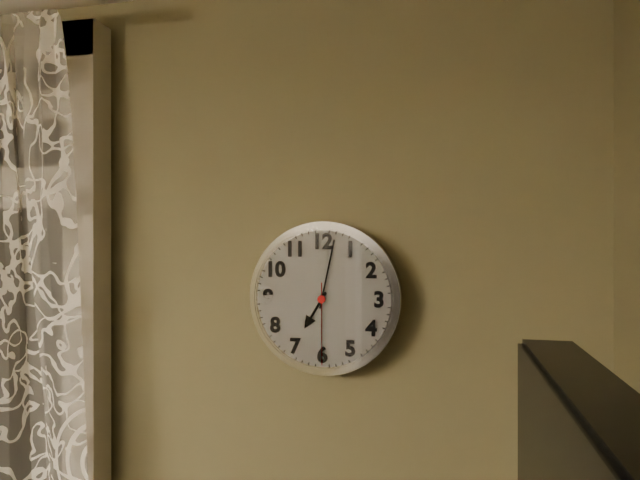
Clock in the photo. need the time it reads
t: 7:02:30
